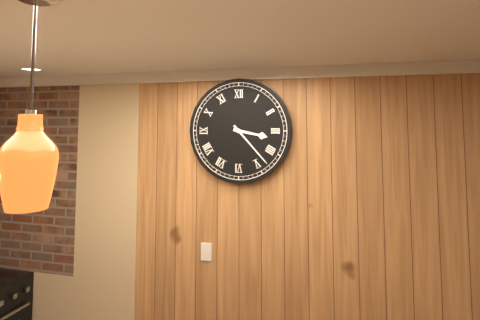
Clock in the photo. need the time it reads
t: 3:23
